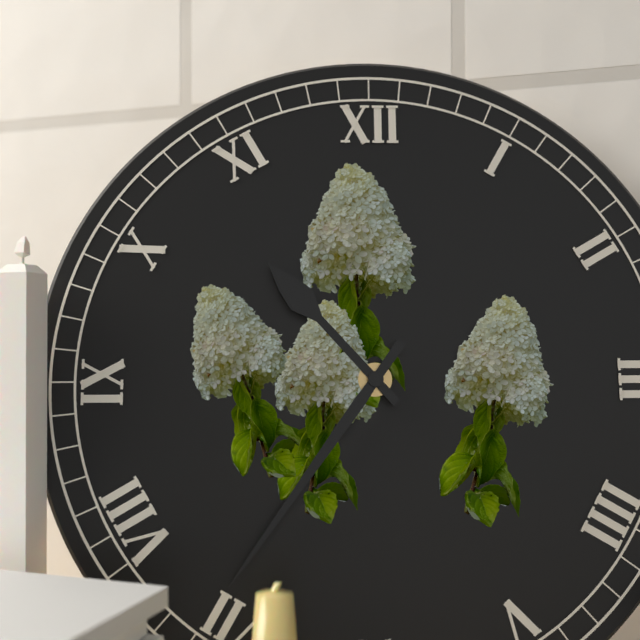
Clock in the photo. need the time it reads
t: 10:36
